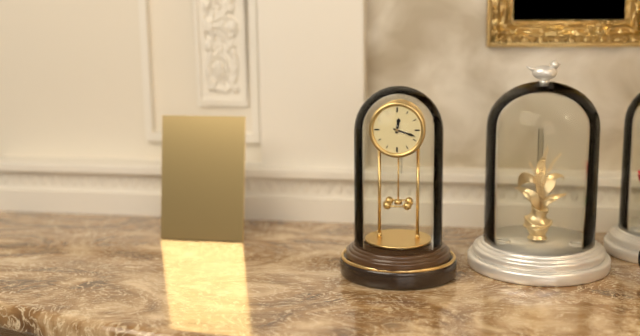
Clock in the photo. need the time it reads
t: 12:18
